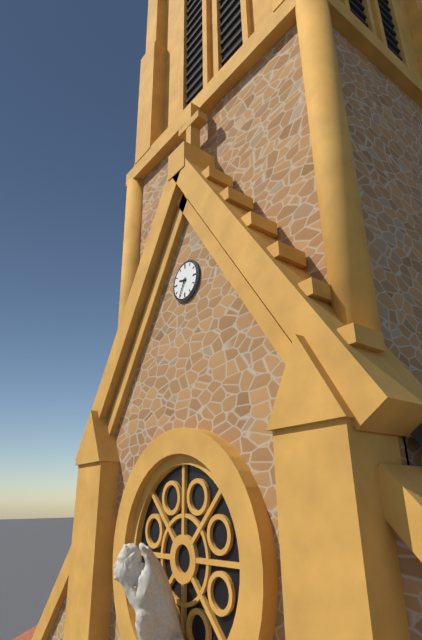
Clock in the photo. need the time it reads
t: 9:35
